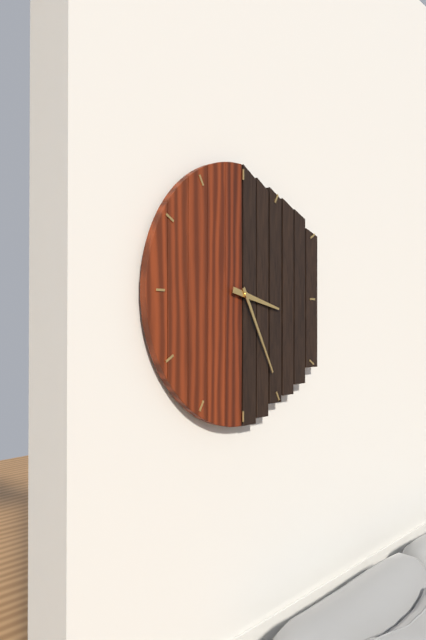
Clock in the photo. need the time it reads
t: 3:25
